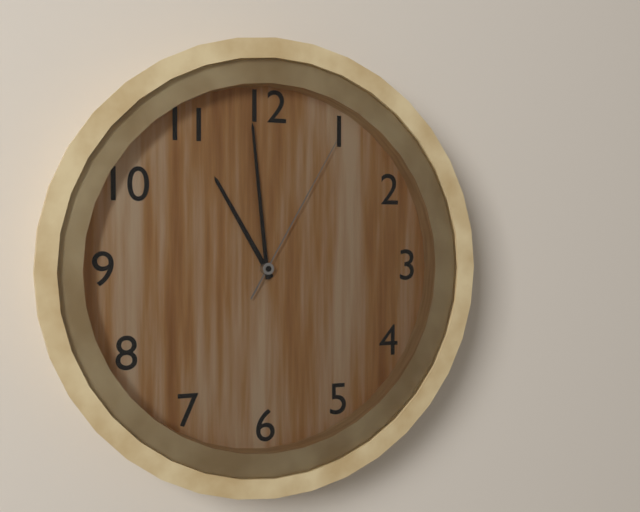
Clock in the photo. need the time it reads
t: 10:59:05
